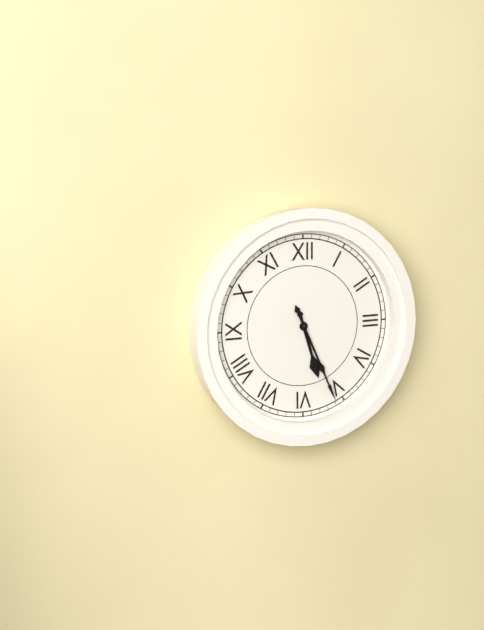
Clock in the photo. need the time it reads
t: 5:26
